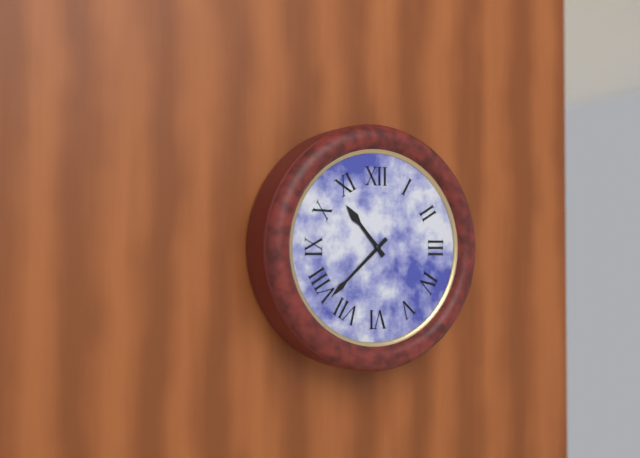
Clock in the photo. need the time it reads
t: 10:38
